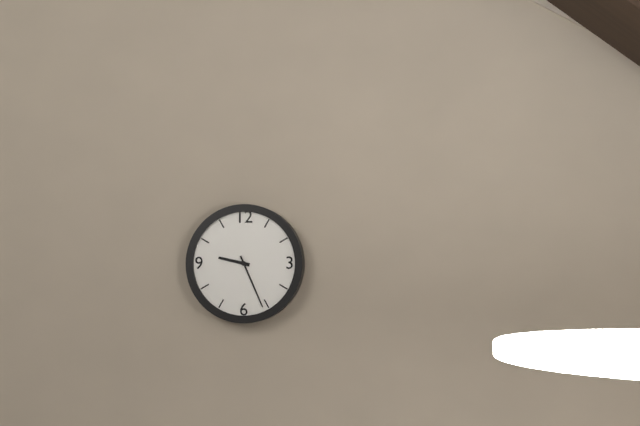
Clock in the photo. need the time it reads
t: 9:26
